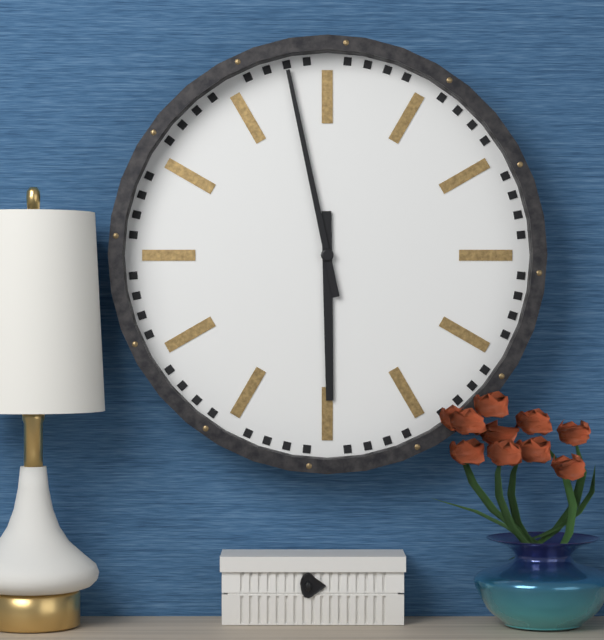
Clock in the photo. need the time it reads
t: 5:58
